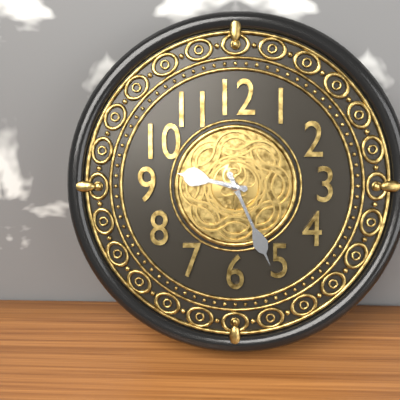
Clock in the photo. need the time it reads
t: 9:26
